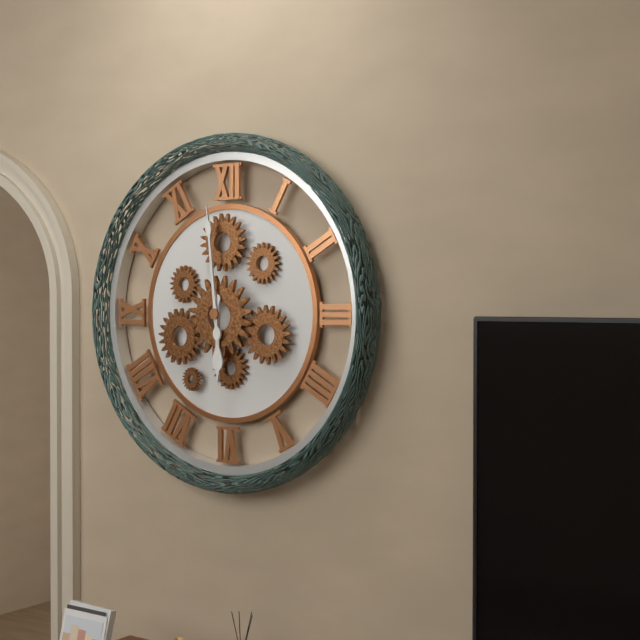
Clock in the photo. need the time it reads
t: 5:59
